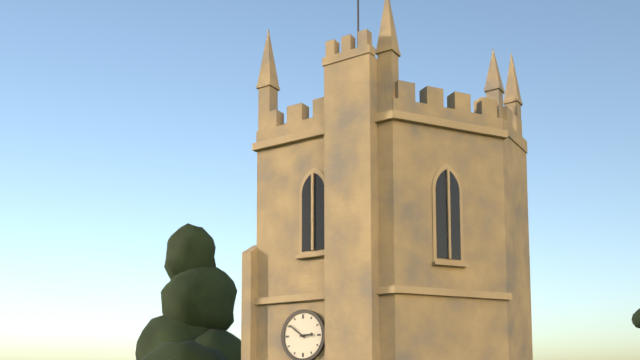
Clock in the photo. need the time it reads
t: 2:51
